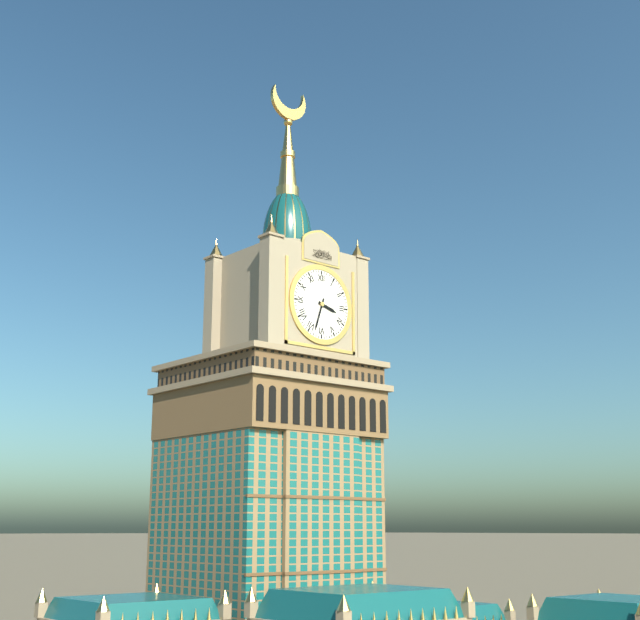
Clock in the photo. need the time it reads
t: 3:33
